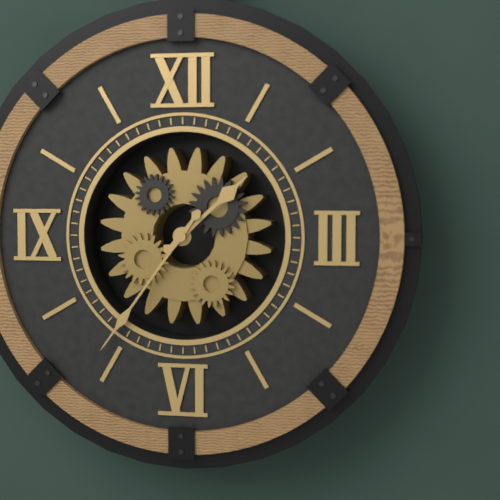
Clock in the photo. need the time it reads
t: 1:36
